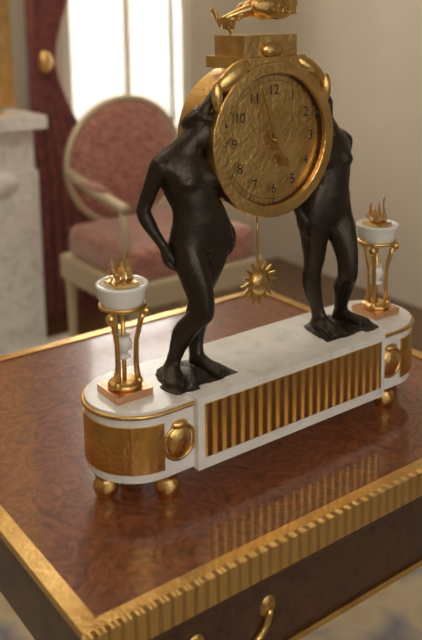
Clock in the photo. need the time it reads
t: 4:57
